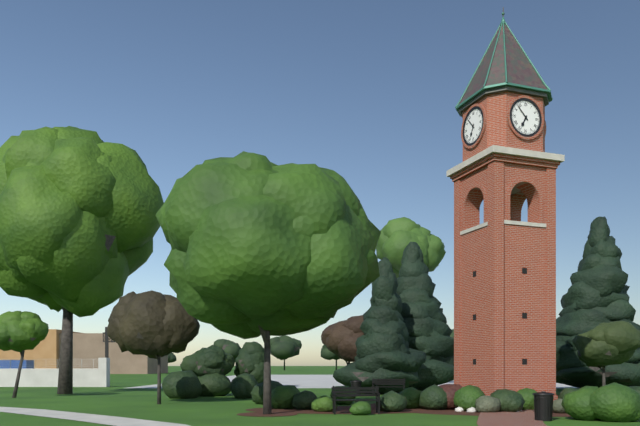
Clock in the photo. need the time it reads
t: 6:53
